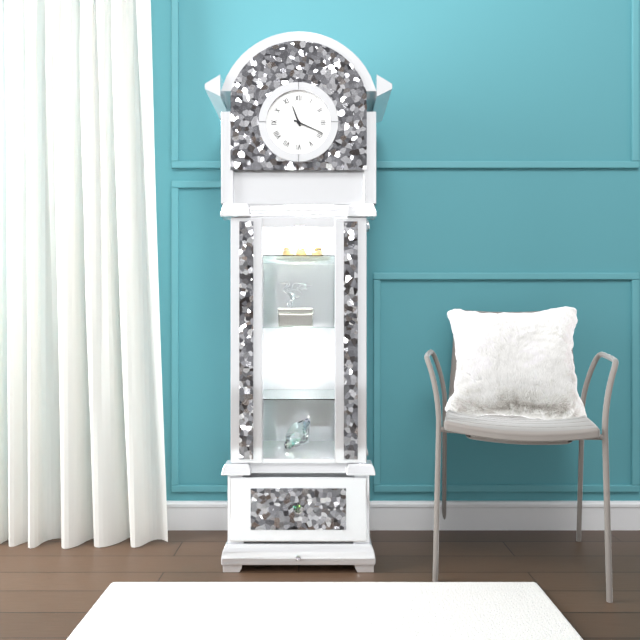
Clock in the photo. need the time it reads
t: 11:19
